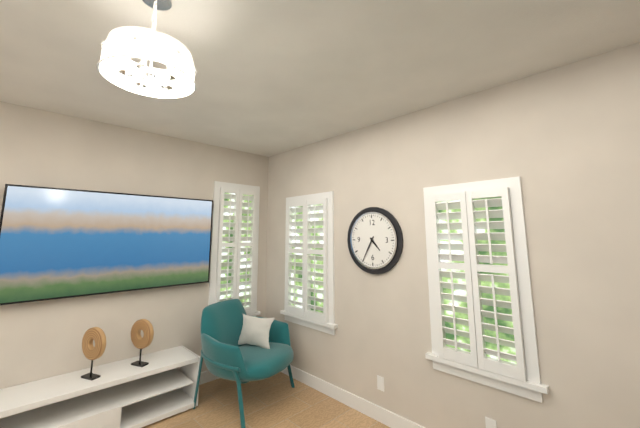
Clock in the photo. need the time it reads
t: 4:35
